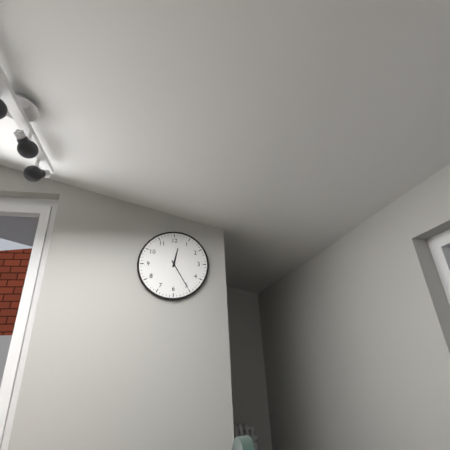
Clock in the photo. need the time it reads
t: 12:25
